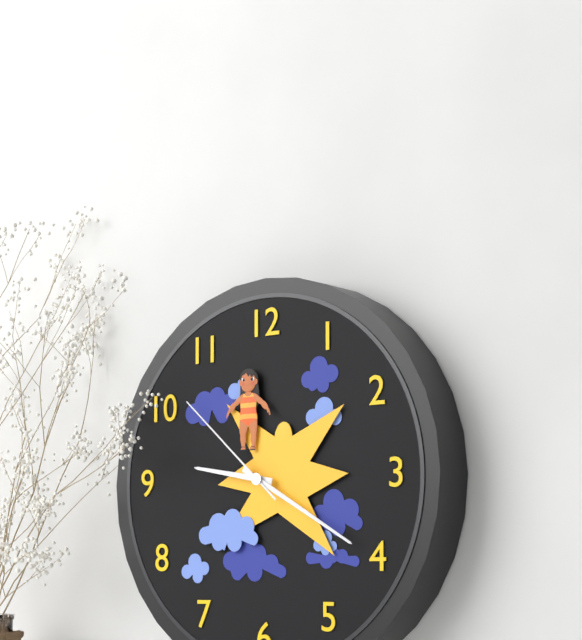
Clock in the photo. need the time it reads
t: 9:20:52
